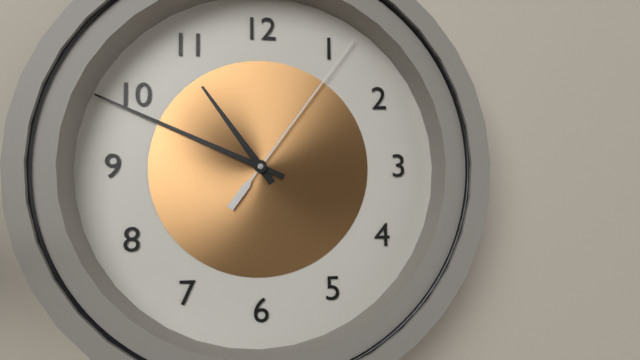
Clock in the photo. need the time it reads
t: 10:49:06
